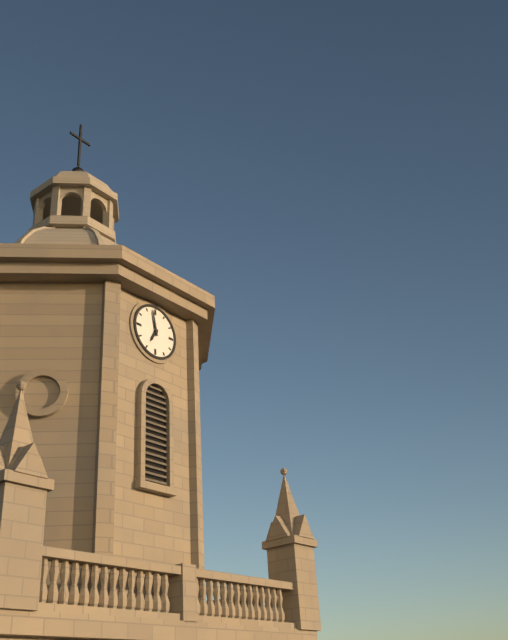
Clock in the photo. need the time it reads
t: 6:58
